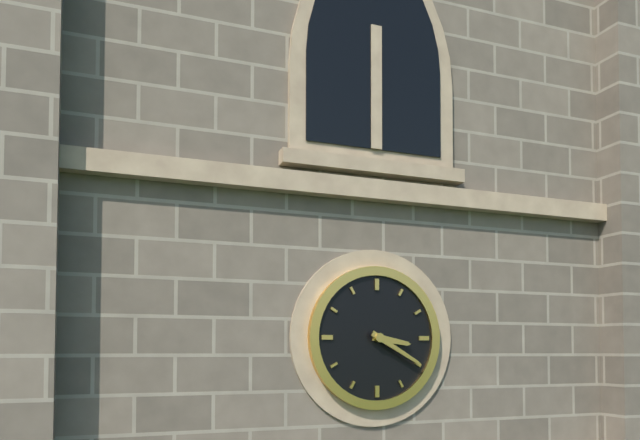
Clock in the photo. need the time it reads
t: 3:20
